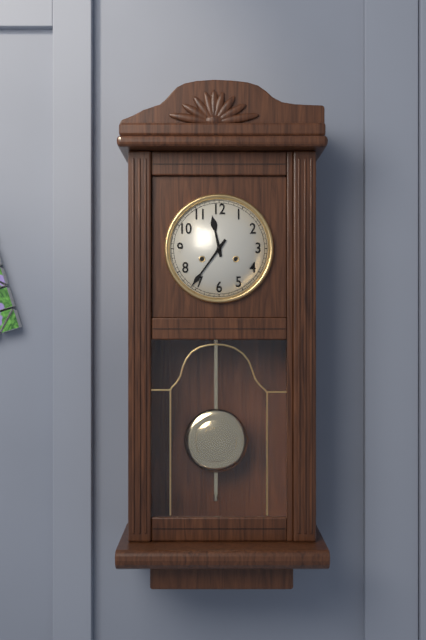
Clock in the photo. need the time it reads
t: 11:36
